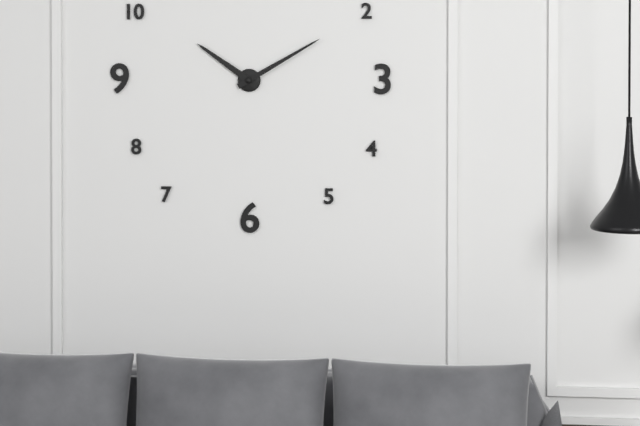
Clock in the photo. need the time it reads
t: 10:10
